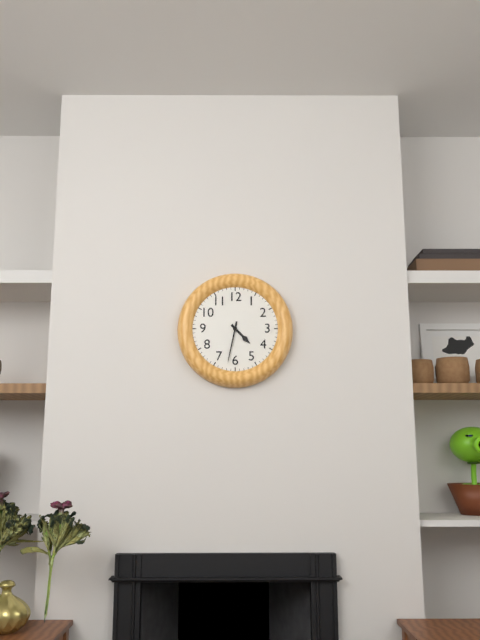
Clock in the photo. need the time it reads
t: 4:32
